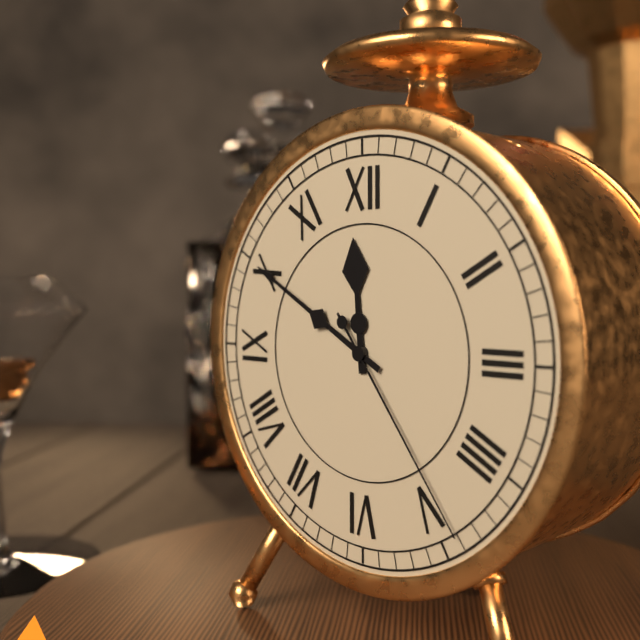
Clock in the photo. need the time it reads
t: 11:50:24
